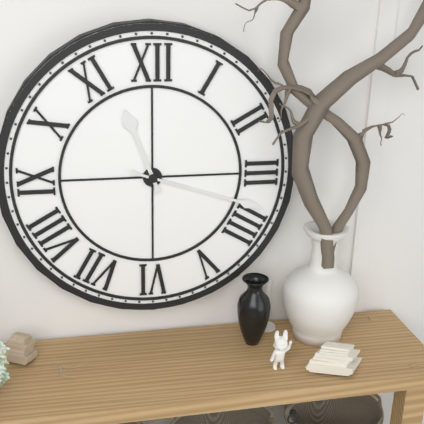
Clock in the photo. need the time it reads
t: 11:18
